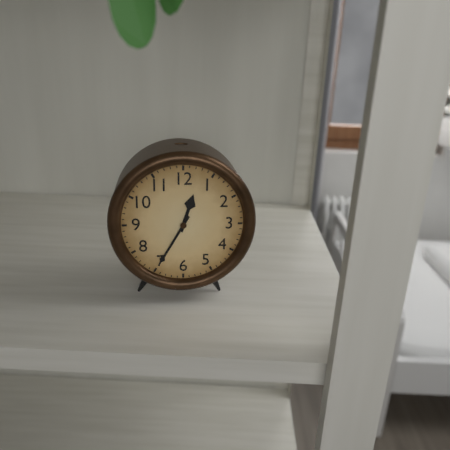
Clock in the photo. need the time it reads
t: 12:35
